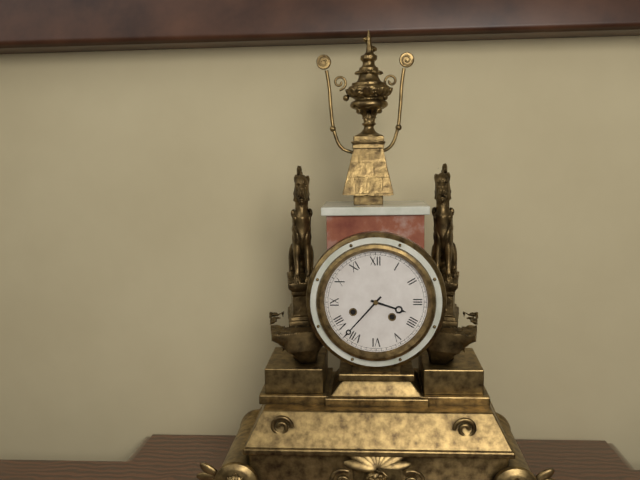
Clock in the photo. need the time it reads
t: 3:37
